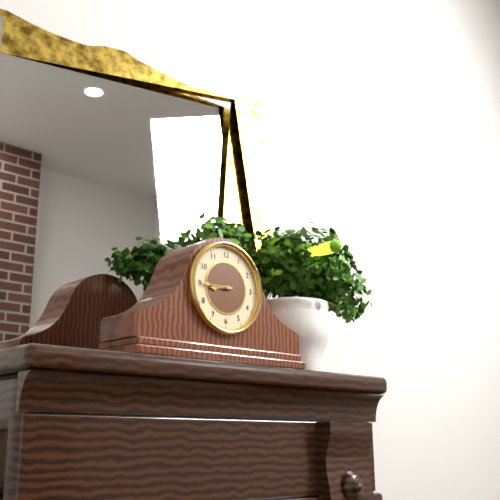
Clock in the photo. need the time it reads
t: 8:45
